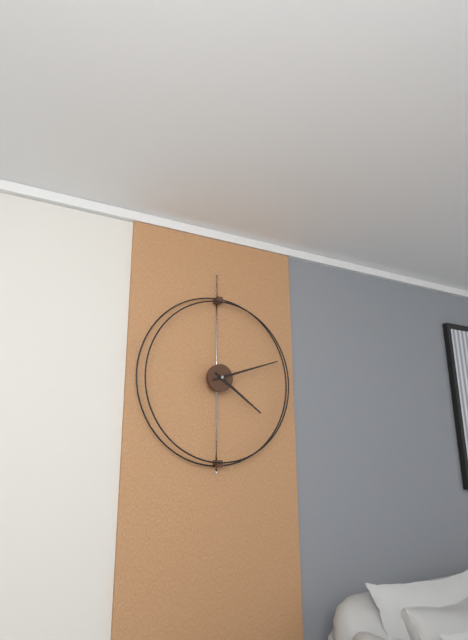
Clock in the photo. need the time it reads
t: 4:12
